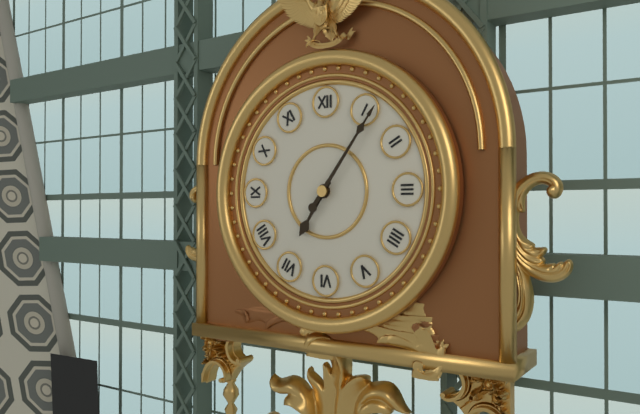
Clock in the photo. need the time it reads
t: 7:06
